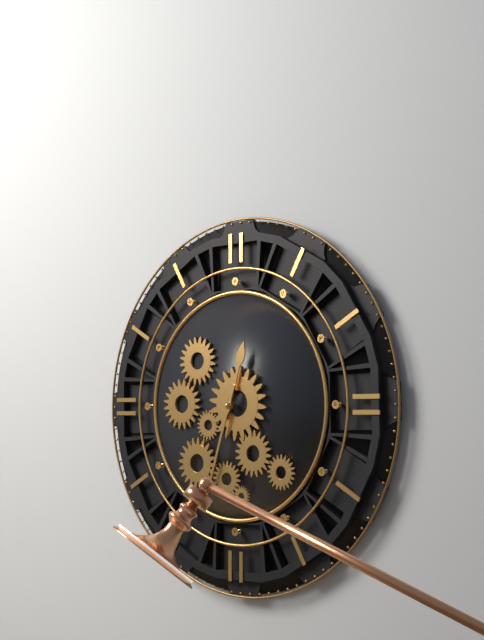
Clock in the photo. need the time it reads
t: 12:33
